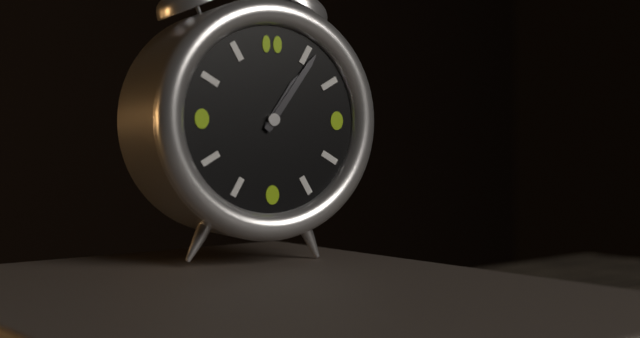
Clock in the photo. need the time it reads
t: 1:06
